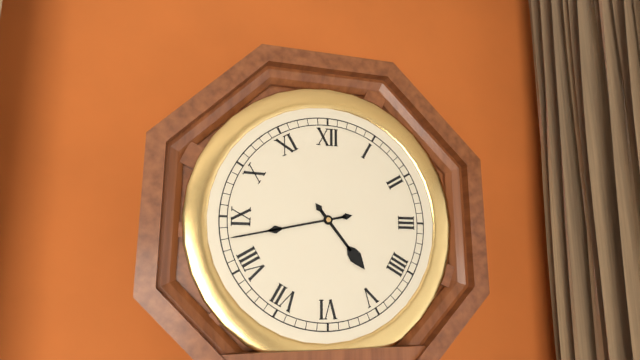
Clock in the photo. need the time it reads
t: 4:43
